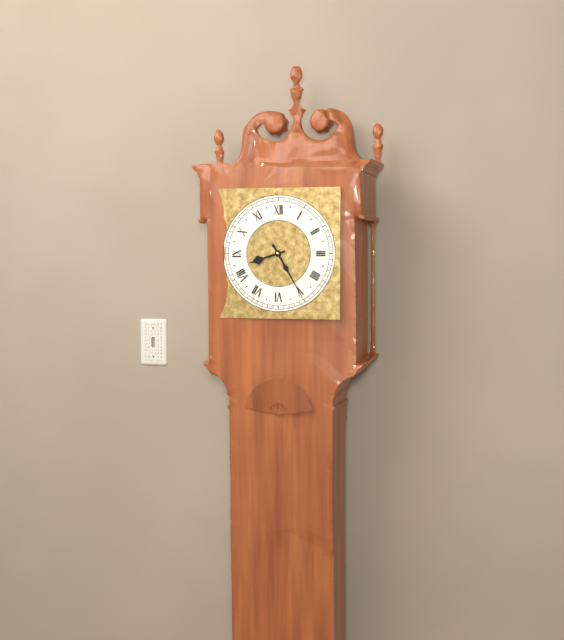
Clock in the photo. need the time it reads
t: 8:25
